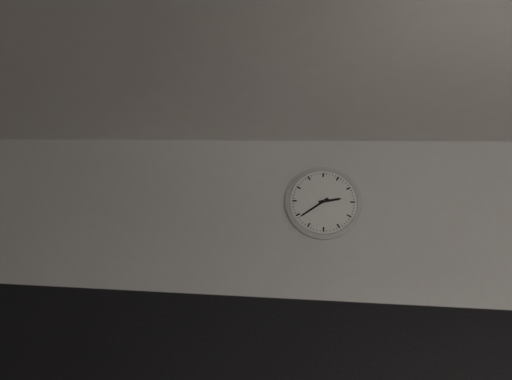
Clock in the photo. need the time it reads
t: 2:39
